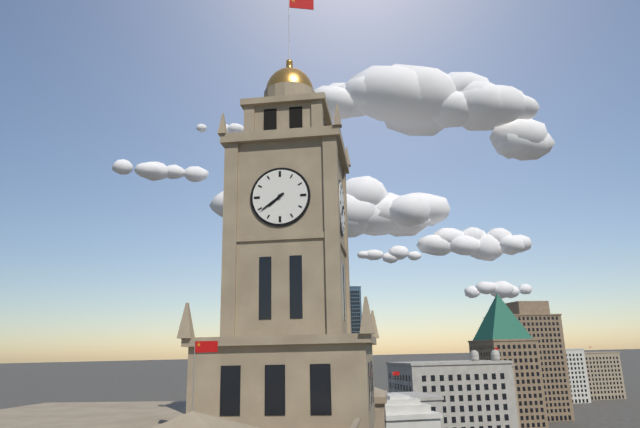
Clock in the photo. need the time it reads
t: 7:39
